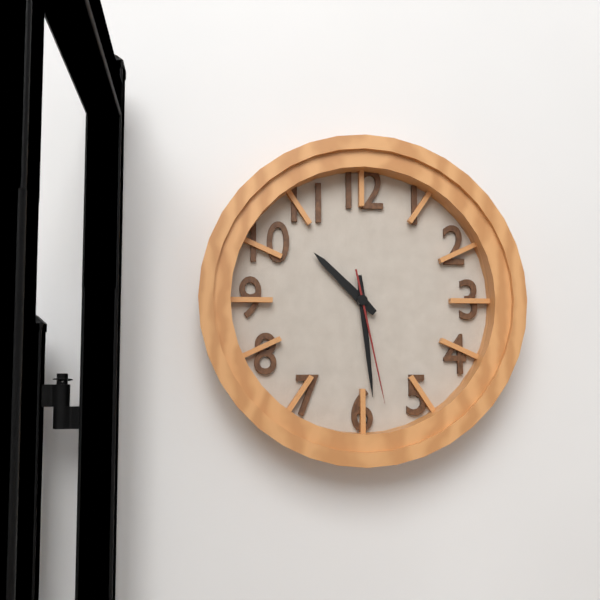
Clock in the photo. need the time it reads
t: 10:29:28
